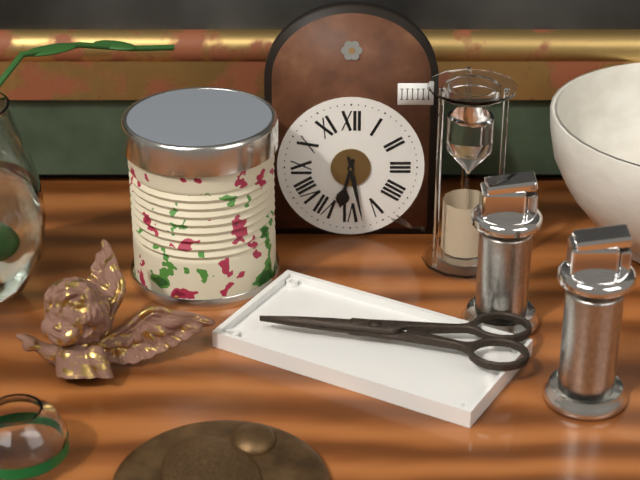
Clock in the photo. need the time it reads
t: 6:28
